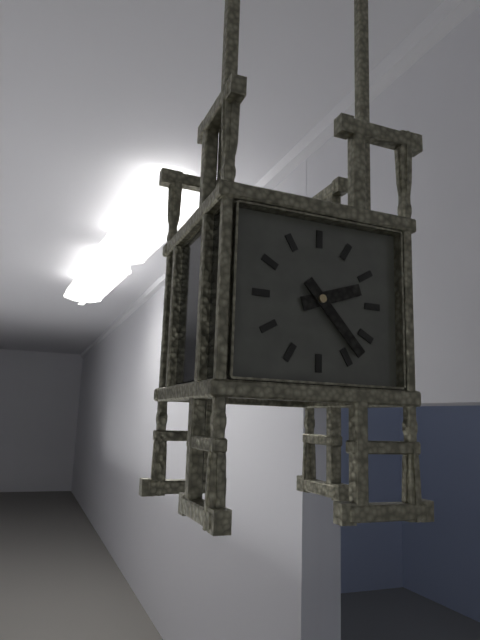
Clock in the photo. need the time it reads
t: 2:23
